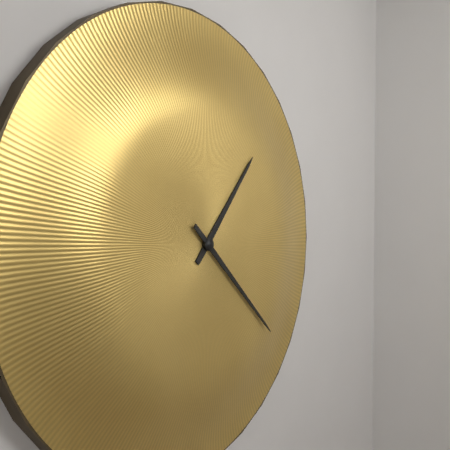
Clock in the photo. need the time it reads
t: 1:22
